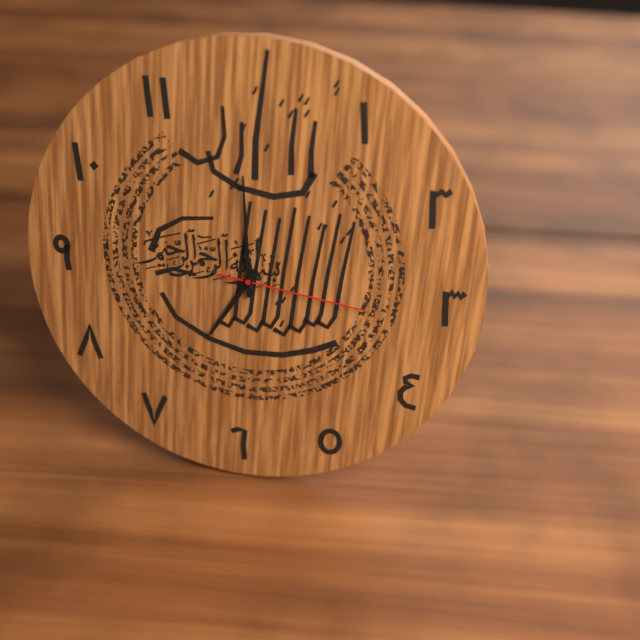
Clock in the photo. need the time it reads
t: 6:59:16
